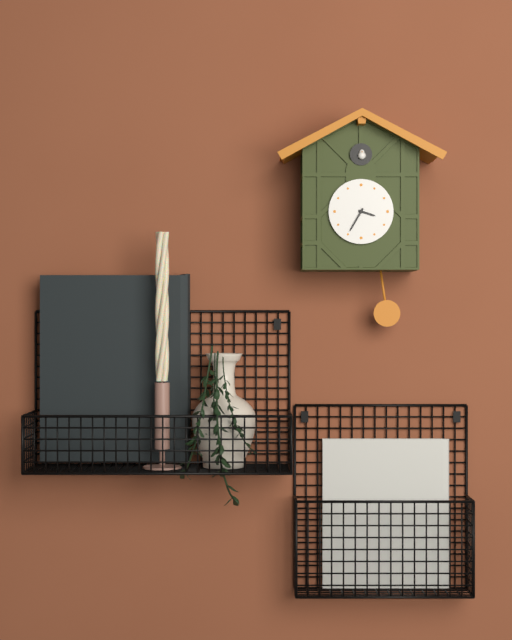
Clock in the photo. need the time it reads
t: 3:35
